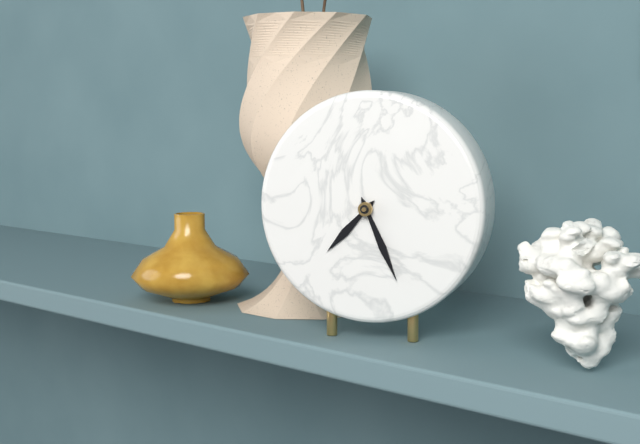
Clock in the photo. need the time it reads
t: 7:26
